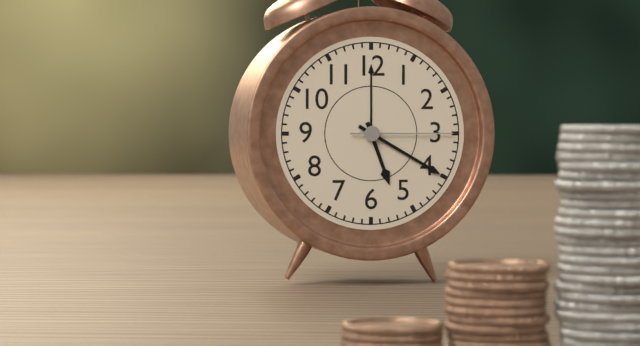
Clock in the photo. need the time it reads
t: 5:20:15
